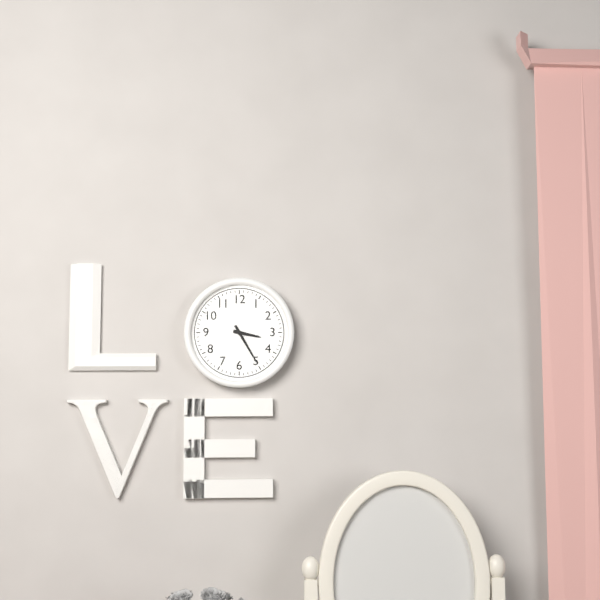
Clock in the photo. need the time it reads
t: 3:25
